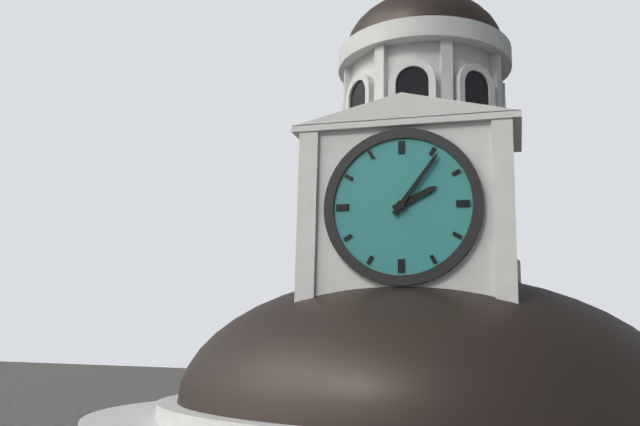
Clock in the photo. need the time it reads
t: 2:06
